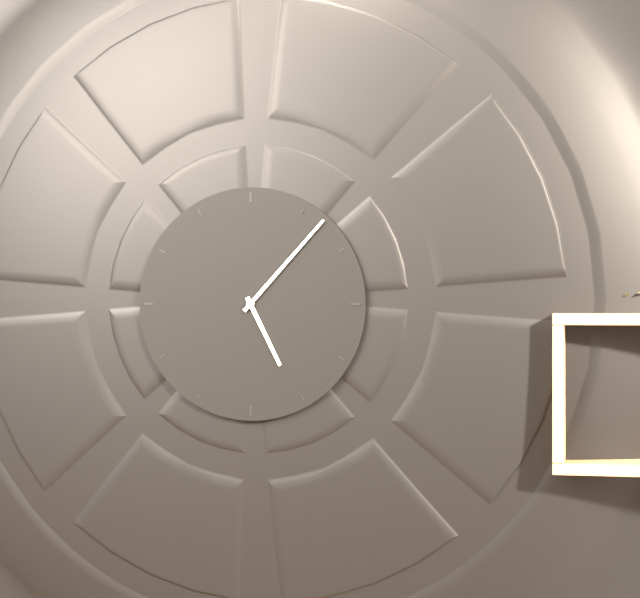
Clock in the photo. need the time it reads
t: 5:07
